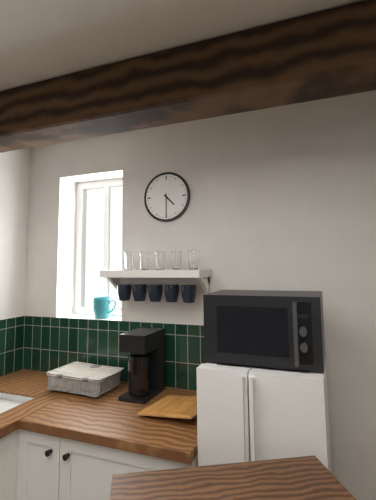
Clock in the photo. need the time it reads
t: 4:30
